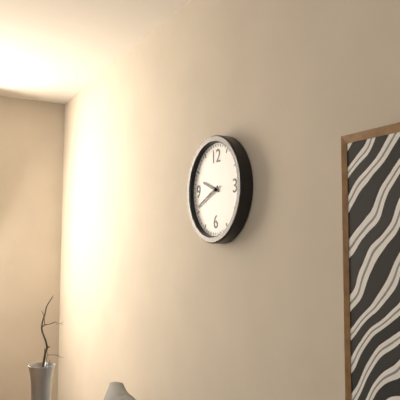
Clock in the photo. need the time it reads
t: 9:41
